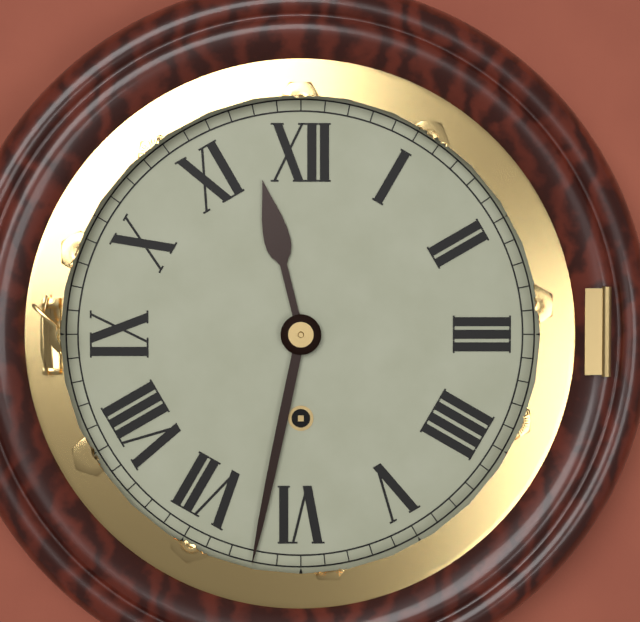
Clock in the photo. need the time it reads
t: 11:32
